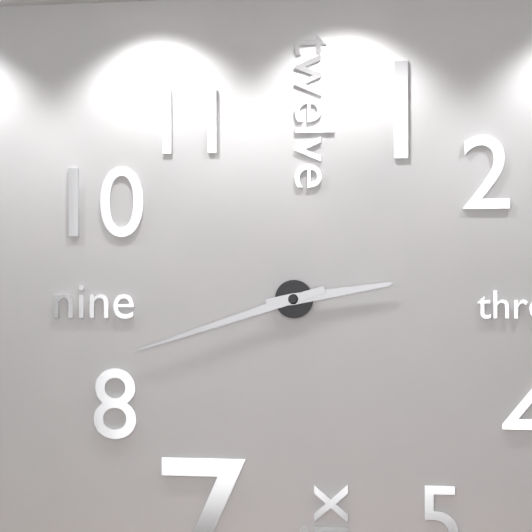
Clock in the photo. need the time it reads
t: 2:42
